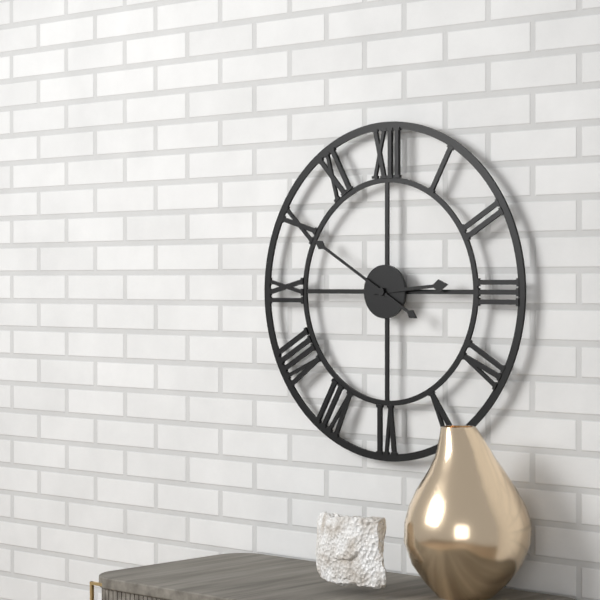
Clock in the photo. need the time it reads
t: 2:50
